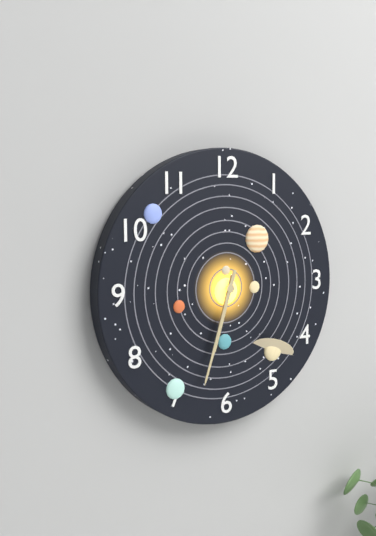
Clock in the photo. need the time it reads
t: 6:33
